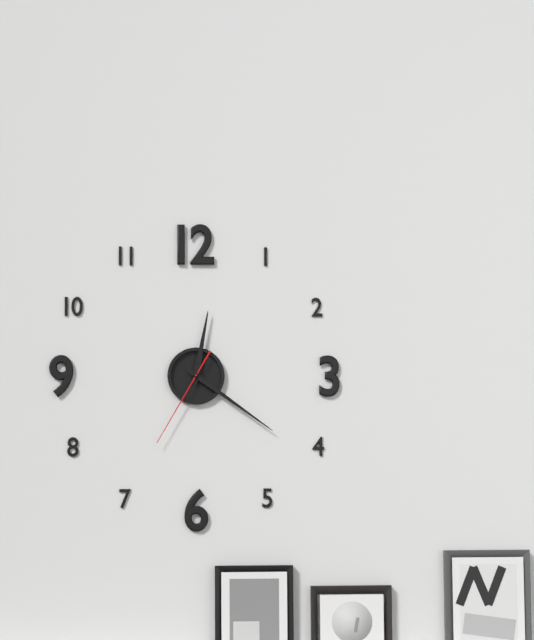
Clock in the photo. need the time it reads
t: 12:21:35
